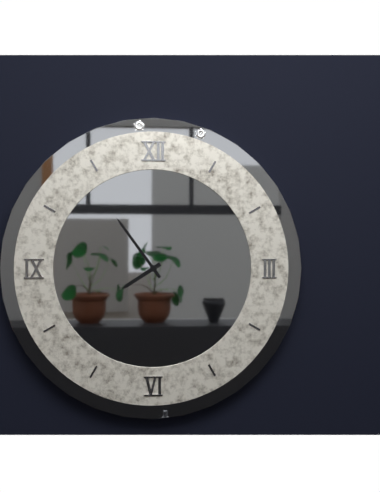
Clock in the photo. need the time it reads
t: 7:54
